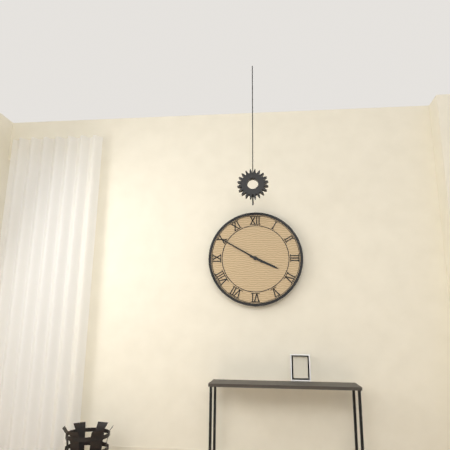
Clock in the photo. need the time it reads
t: 3:50
